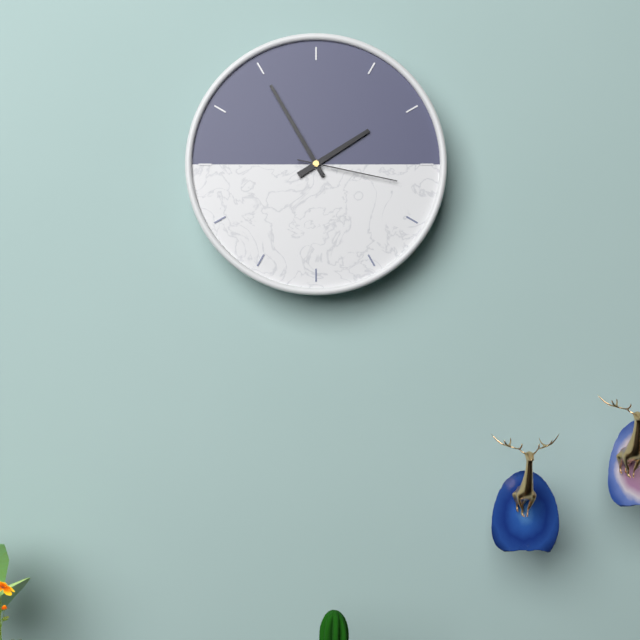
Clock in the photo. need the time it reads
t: 1:55:17
